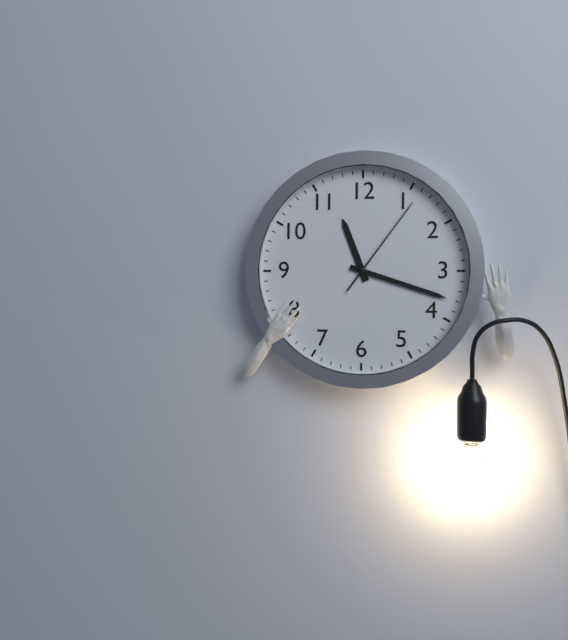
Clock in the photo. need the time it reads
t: 11:18:06
